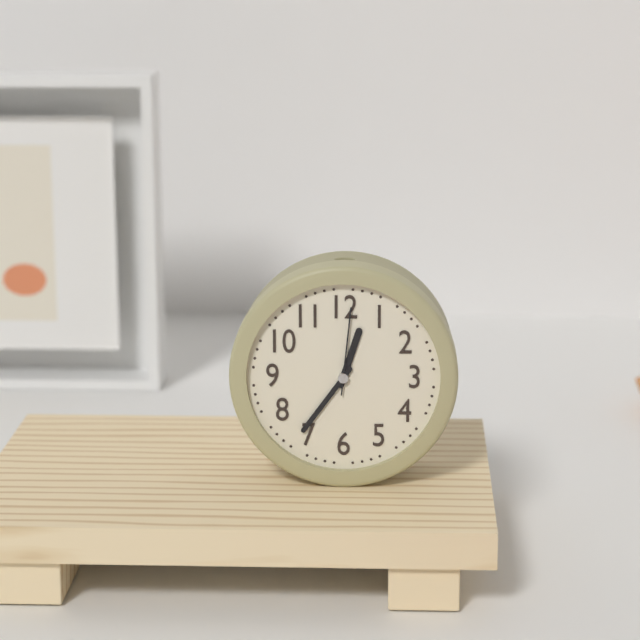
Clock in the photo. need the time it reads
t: 12:36:01
